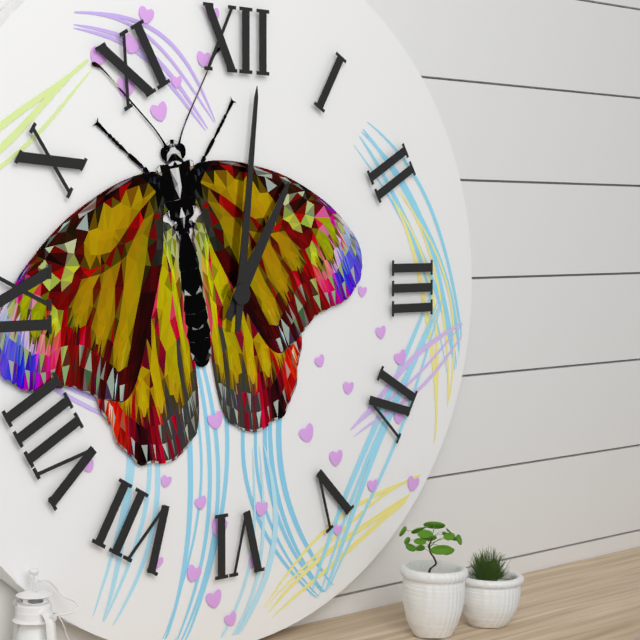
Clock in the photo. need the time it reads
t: 1:01
